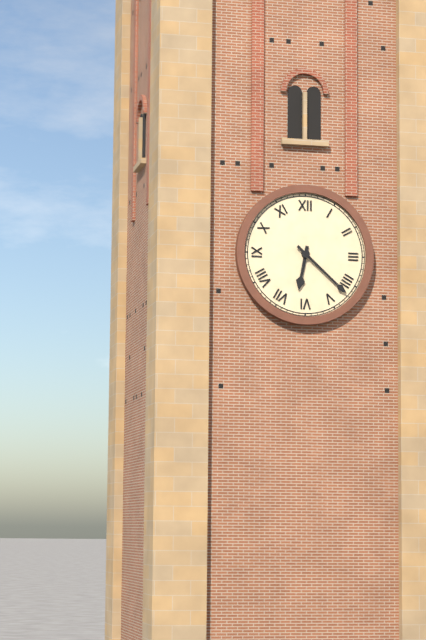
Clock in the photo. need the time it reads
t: 6:22
